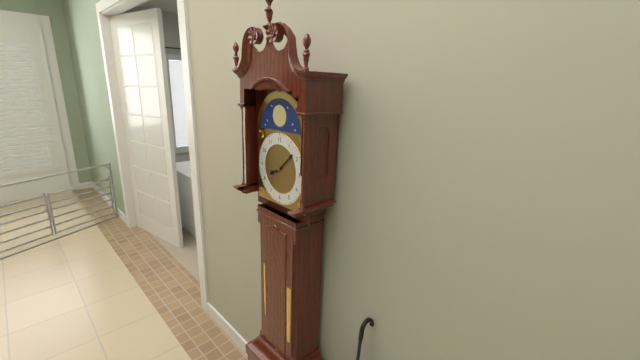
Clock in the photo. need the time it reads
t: 8:08
